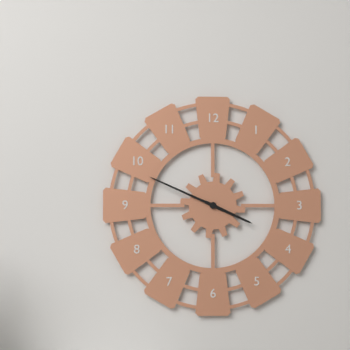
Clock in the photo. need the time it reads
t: 3:49
